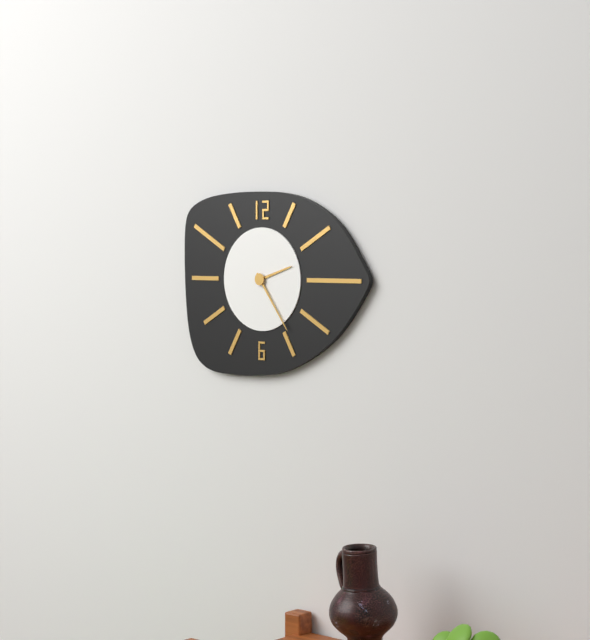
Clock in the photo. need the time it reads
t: 2:24
